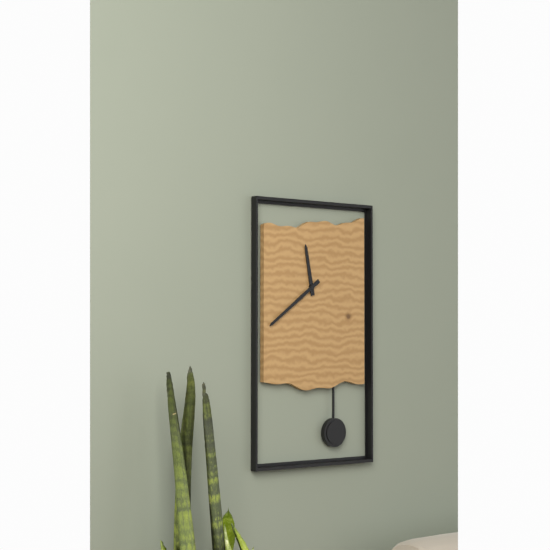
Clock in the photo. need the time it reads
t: 11:39
